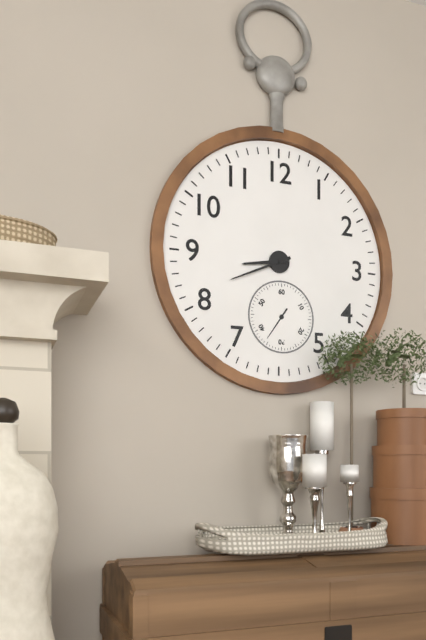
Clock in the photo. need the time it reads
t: 8:41
